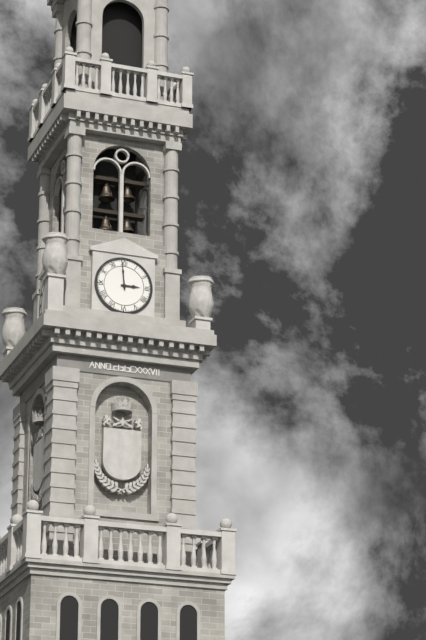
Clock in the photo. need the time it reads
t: 2:59
